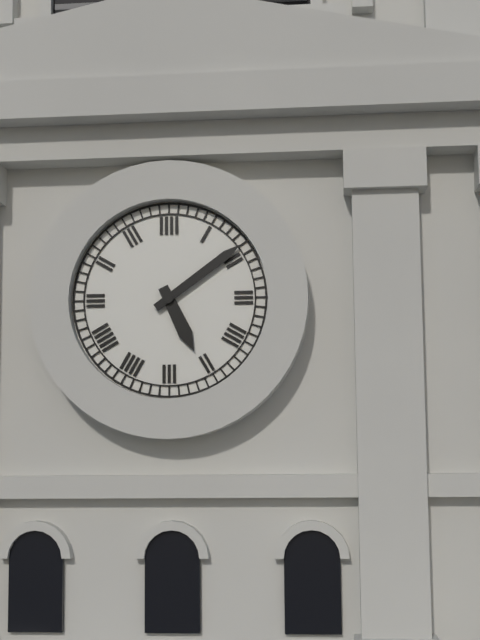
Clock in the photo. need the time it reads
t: 5:09
